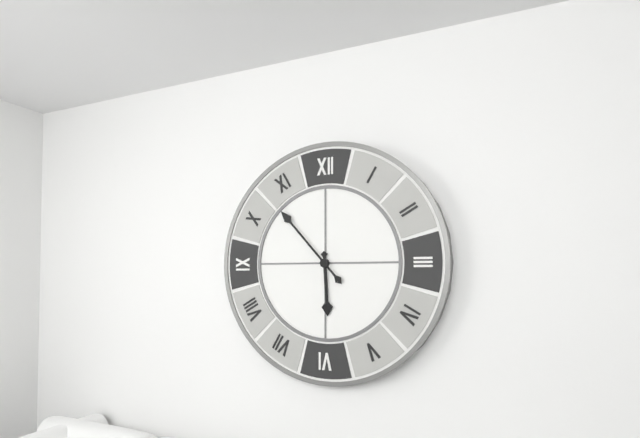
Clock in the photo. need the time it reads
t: 5:53
